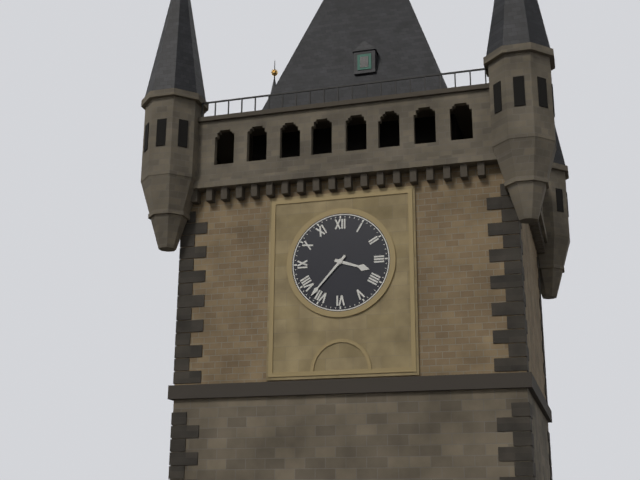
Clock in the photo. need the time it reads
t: 3:37
